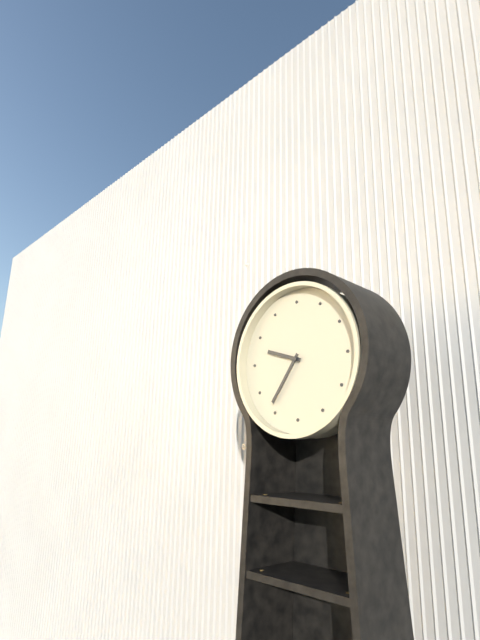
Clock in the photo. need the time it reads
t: 9:36
